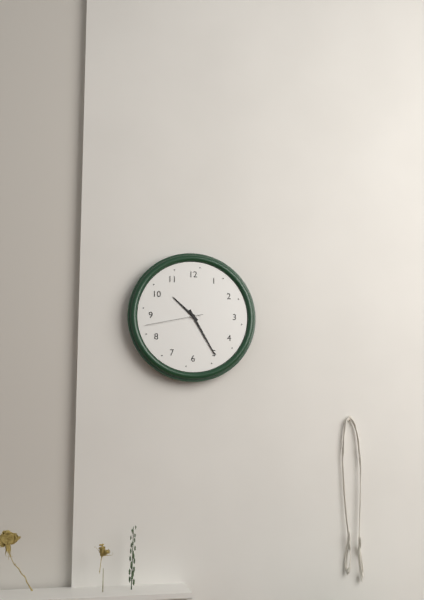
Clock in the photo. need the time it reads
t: 10:25:43
